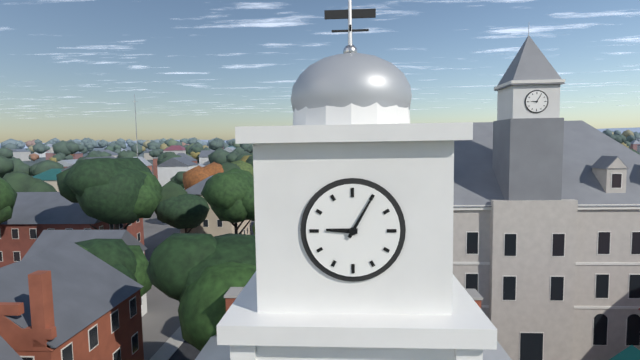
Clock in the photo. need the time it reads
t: 9:05
